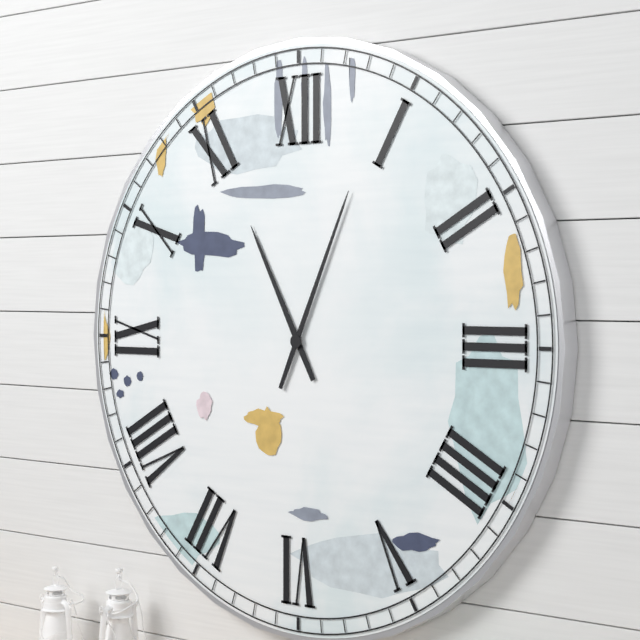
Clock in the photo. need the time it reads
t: 11:04
